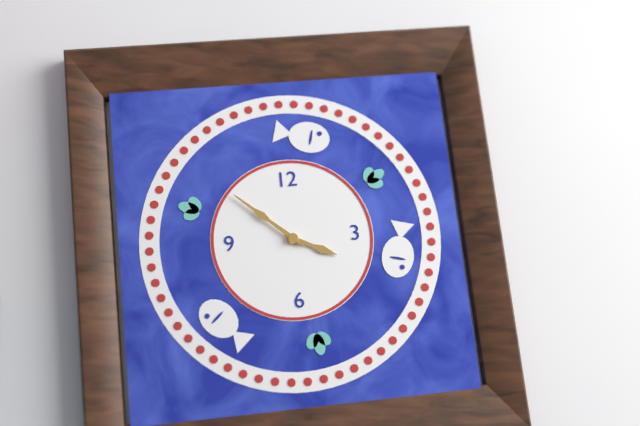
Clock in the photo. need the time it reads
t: 3:52
